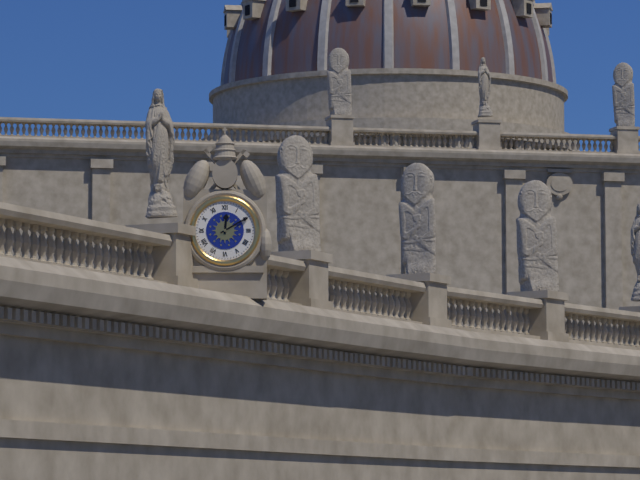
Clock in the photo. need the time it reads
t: 12:10
